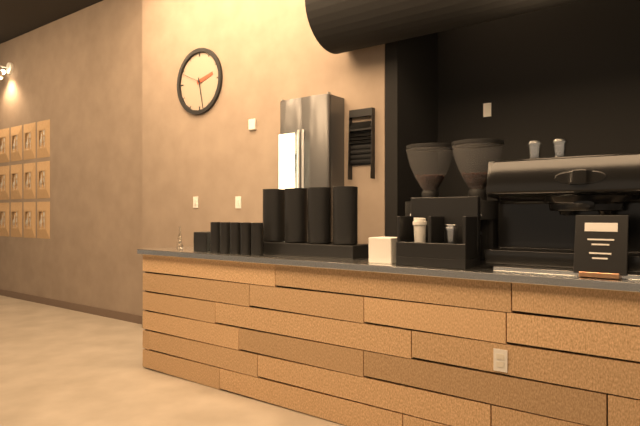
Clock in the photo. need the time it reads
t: 2:28
